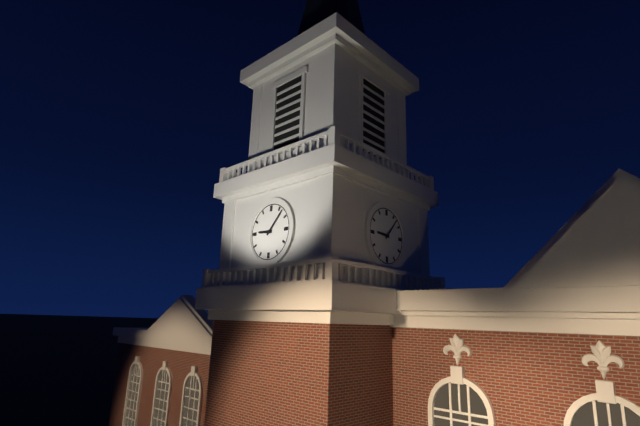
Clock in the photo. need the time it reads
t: 9:07
